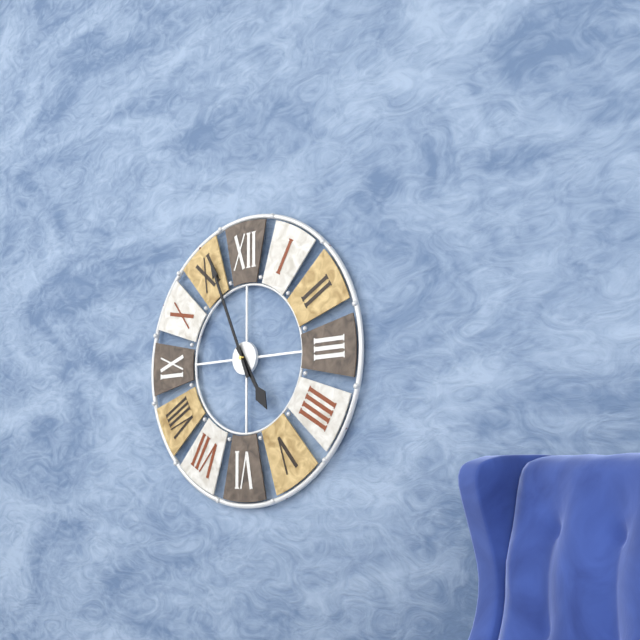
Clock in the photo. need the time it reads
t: 4:56
